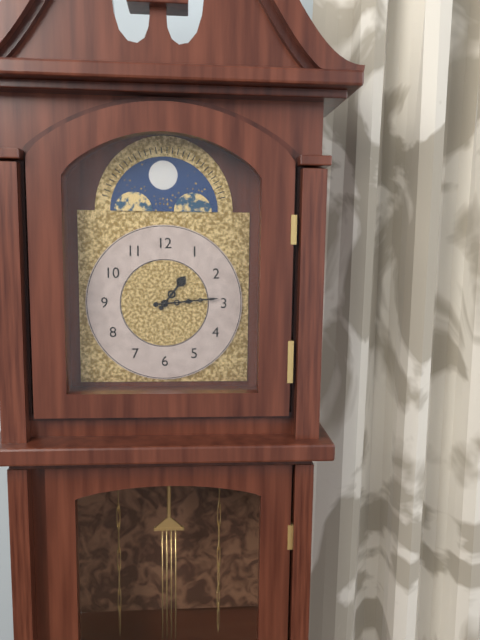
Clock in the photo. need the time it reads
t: 1:14
